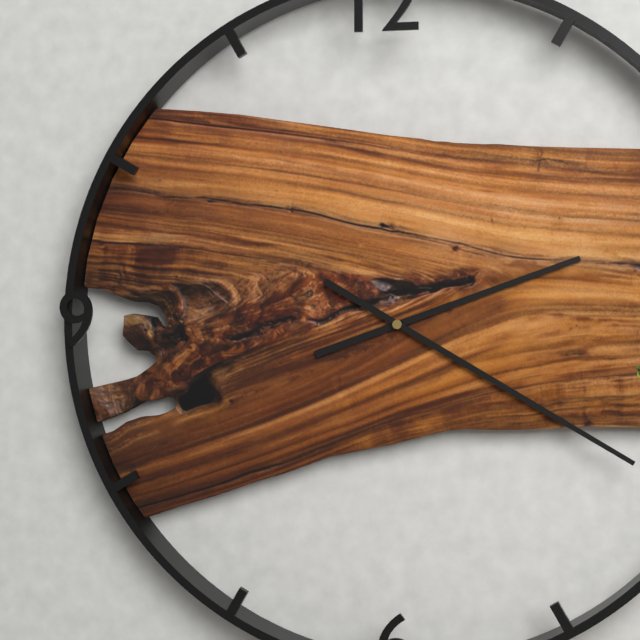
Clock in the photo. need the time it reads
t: 2:20
